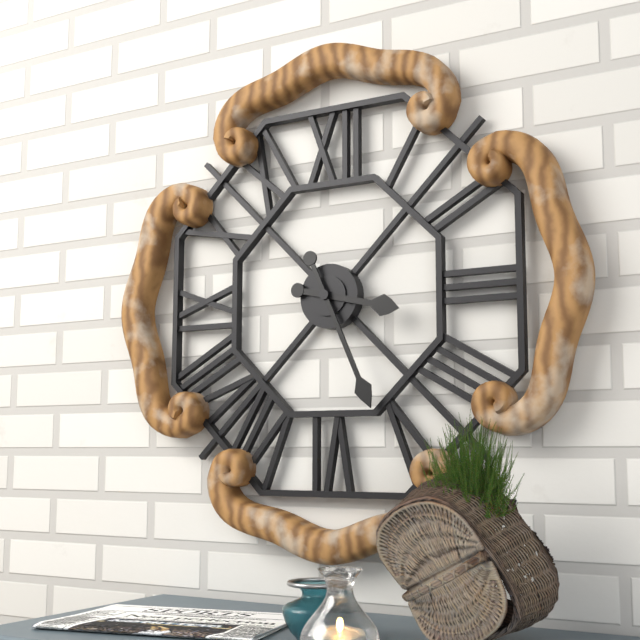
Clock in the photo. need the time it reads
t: 3:26
